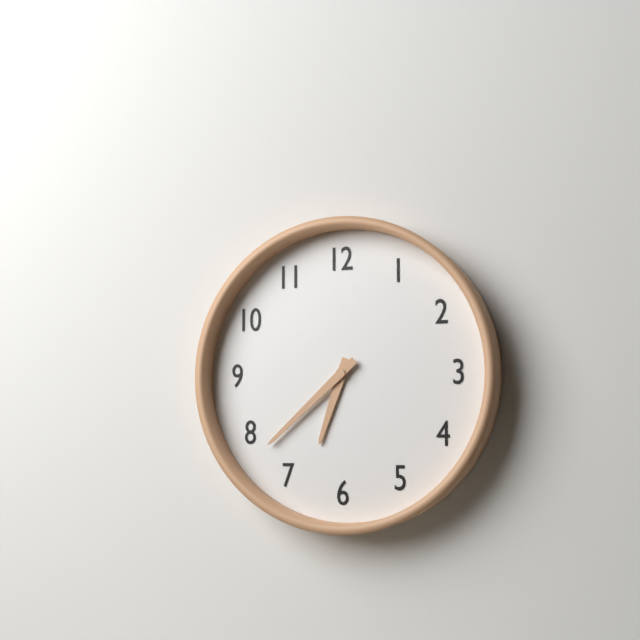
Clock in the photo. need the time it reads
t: 6:38
